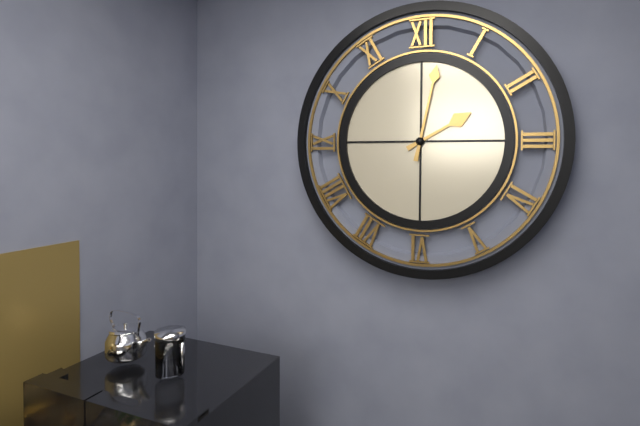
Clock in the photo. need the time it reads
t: 2:02
